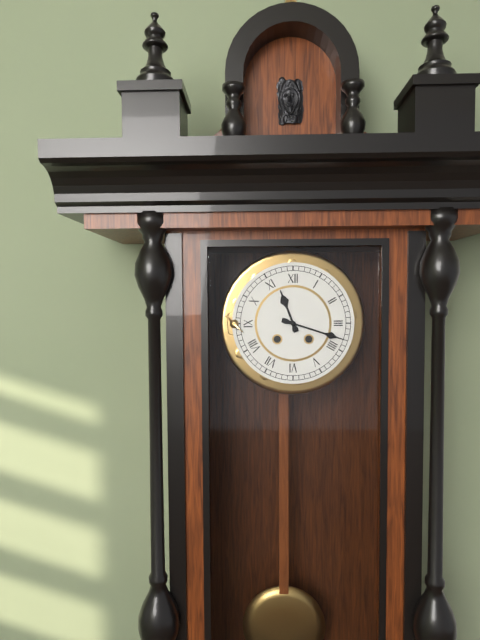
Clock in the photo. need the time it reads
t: 11:18
